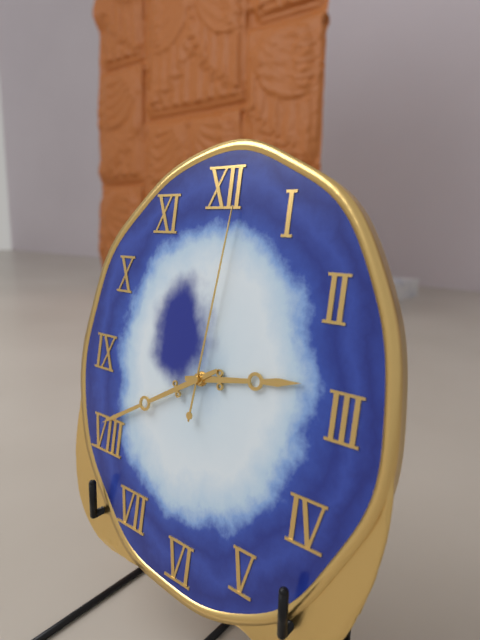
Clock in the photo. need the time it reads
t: 2:40:01
